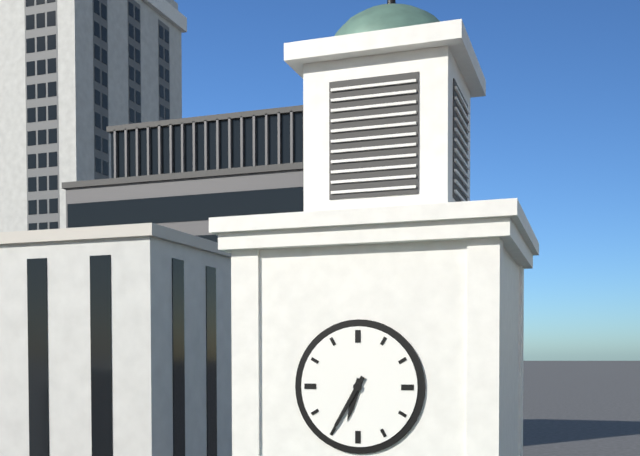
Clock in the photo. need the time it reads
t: 6:35
